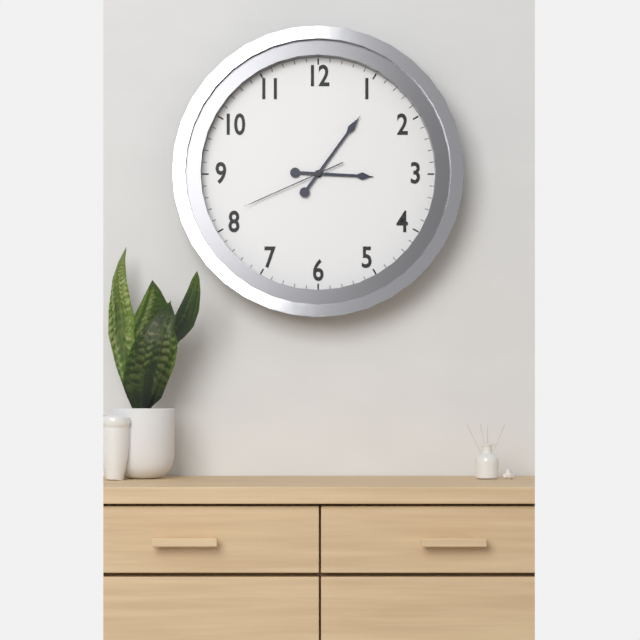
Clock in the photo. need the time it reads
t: 3:06:41
